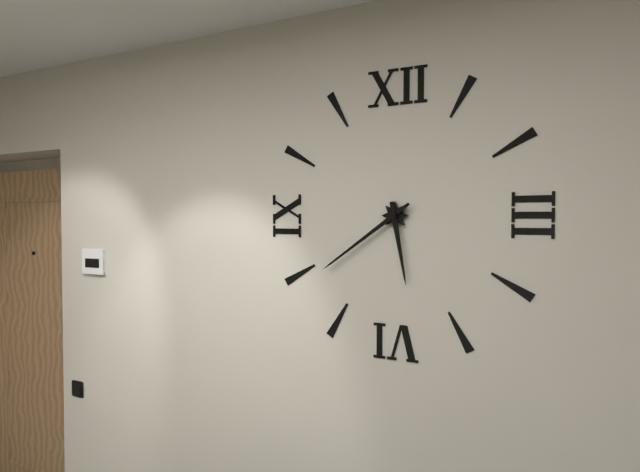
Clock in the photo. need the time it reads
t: 5:39
